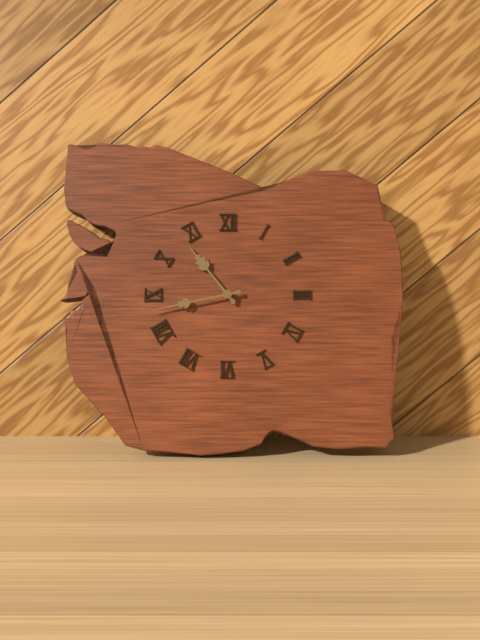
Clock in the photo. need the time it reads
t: 10:43
